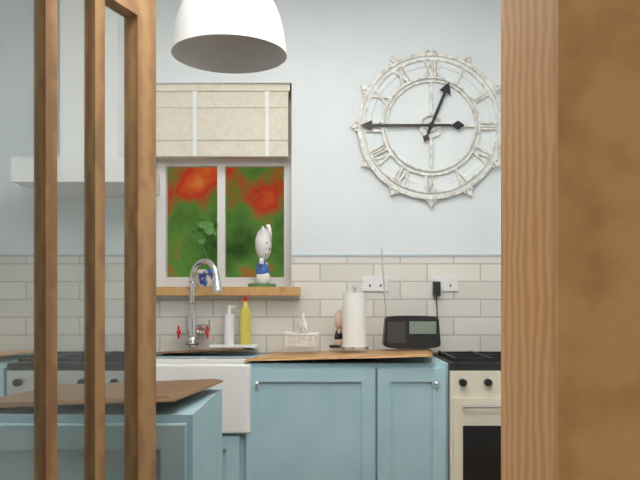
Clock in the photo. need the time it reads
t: 12:45
